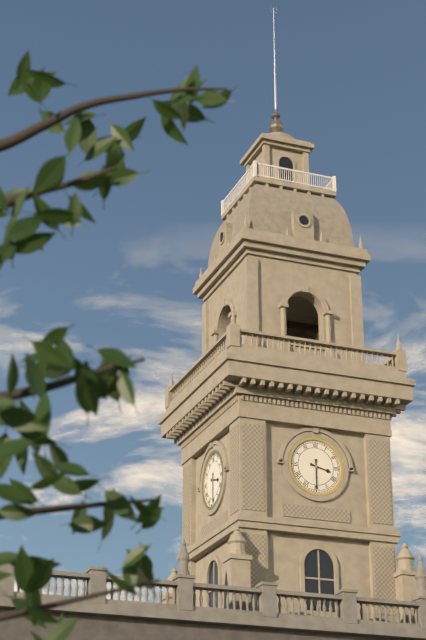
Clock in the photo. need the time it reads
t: 3:30
